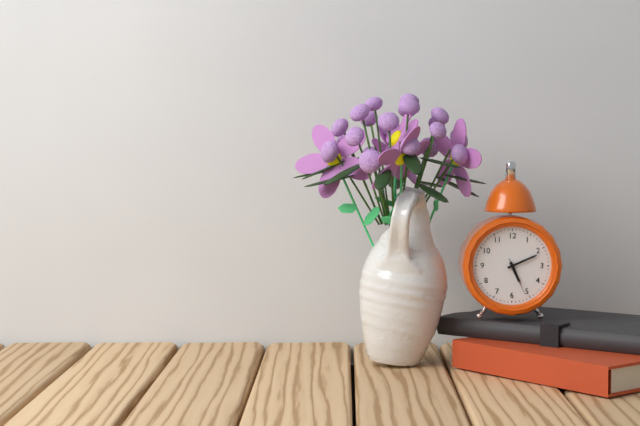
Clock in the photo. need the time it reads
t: 5:11
